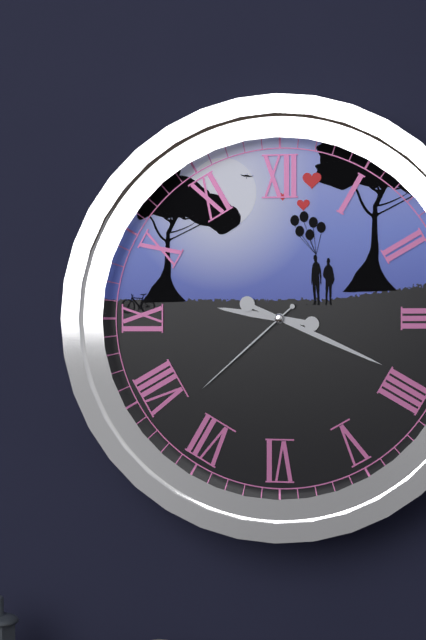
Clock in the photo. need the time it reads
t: 9:19:38
